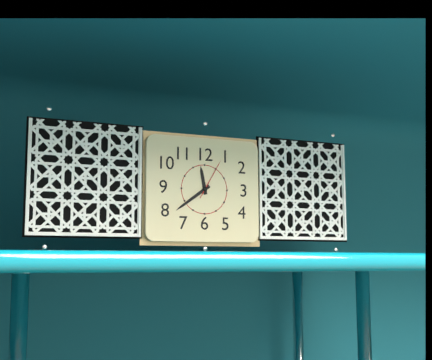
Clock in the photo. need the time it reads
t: 11:39
